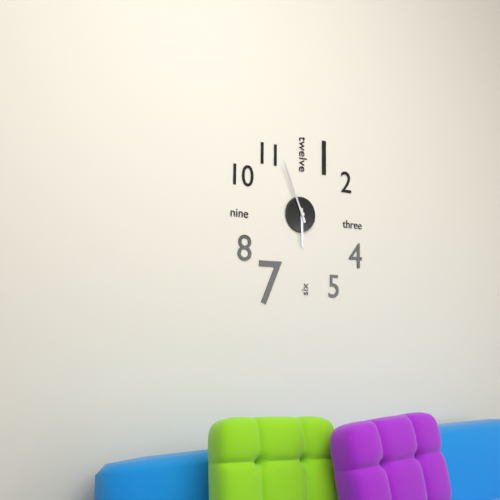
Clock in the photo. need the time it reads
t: 5:56
